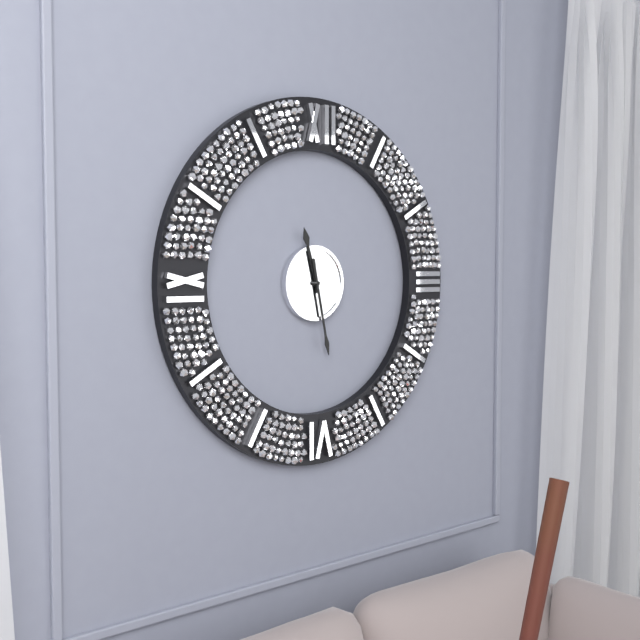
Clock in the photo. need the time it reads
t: 11:28
